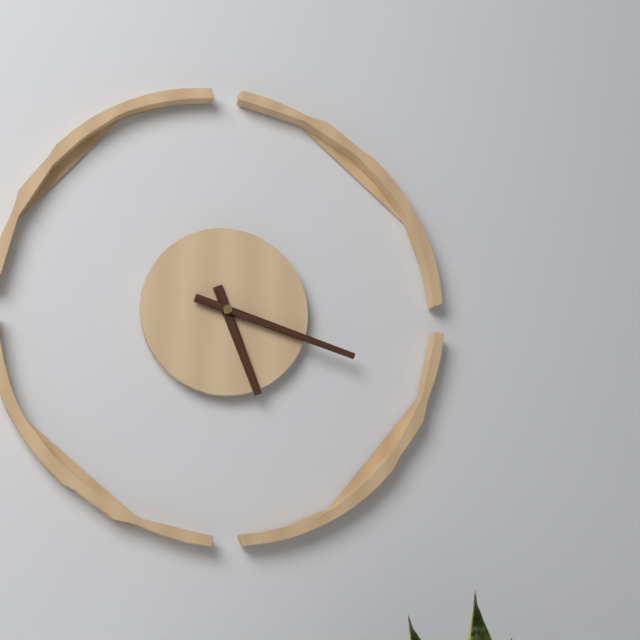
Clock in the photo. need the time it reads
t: 5:18
